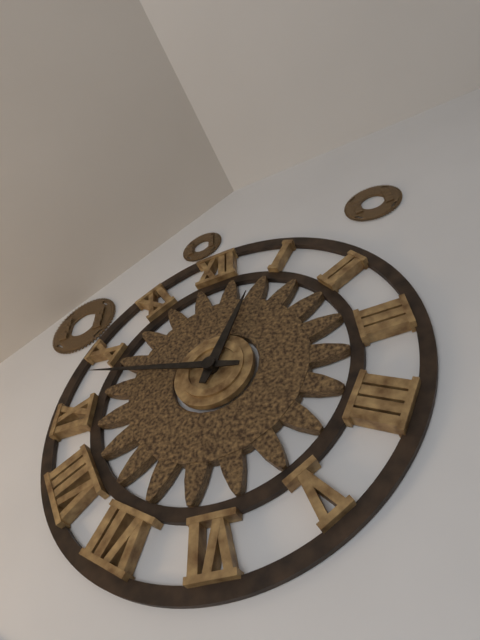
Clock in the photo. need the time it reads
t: 12:48
